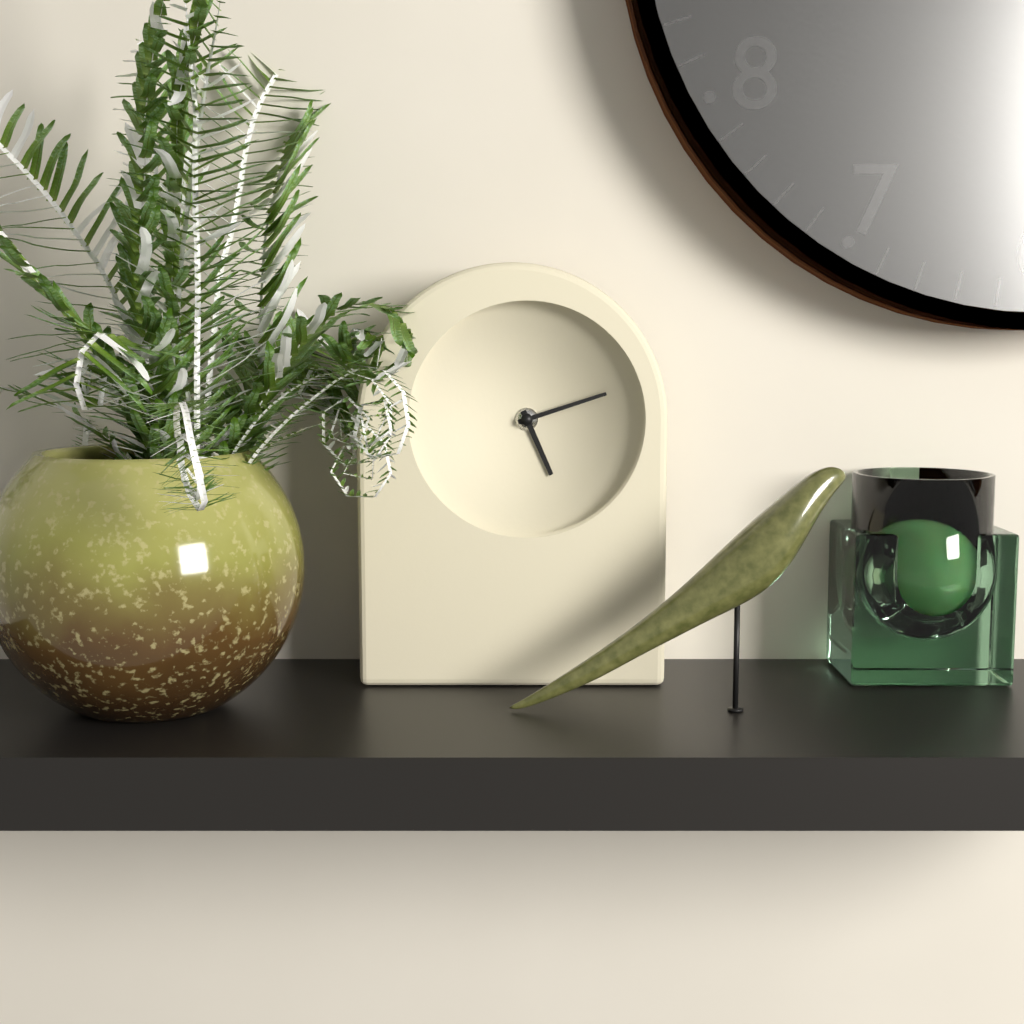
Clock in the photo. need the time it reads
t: 5:12
